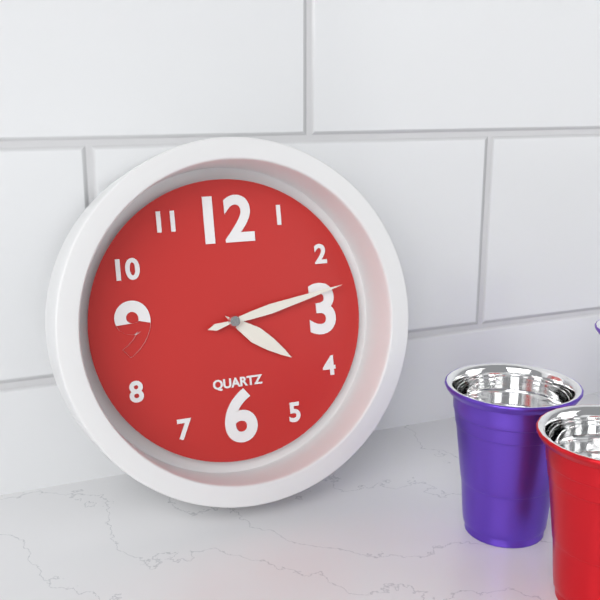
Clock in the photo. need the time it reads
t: 4:13
